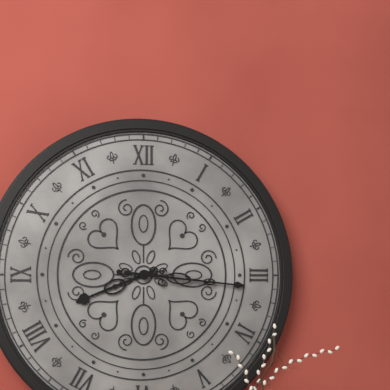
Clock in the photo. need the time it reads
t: 8:16
